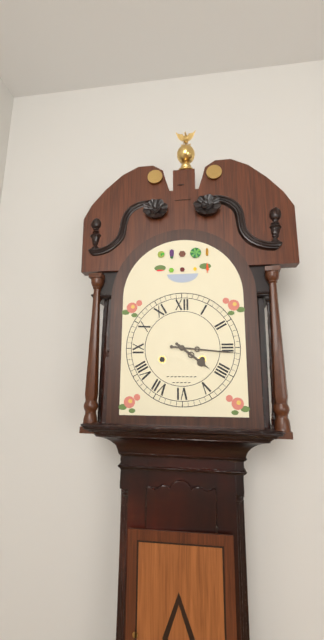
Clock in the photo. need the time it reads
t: 4:16
